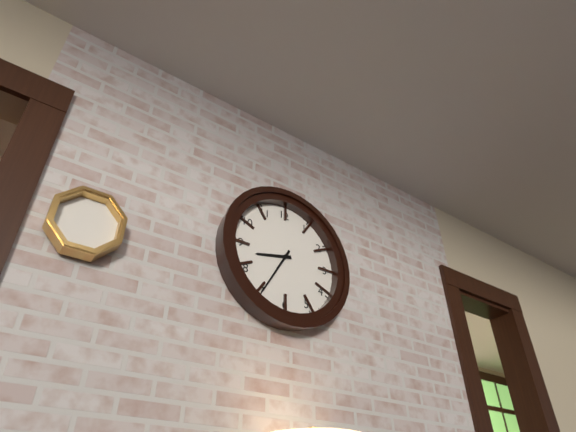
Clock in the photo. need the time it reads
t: 8:35
